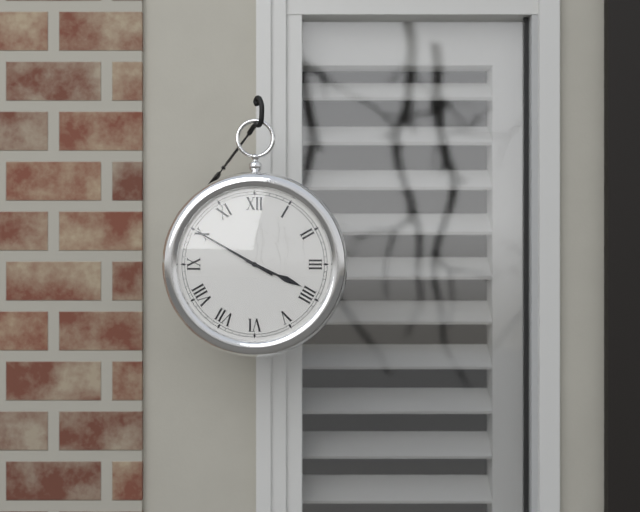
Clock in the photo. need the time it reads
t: 3:50
